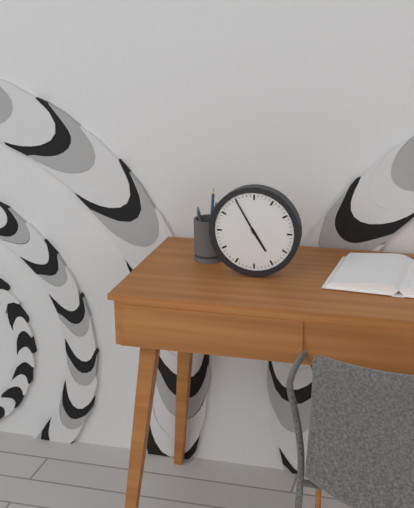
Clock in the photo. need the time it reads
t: 4:55
